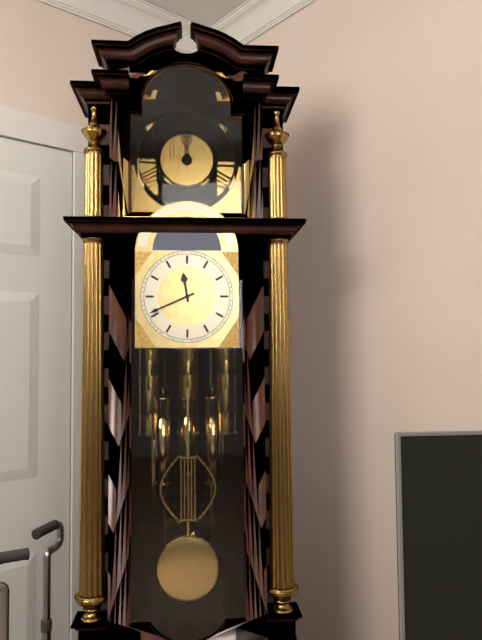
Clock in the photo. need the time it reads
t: 11:41
